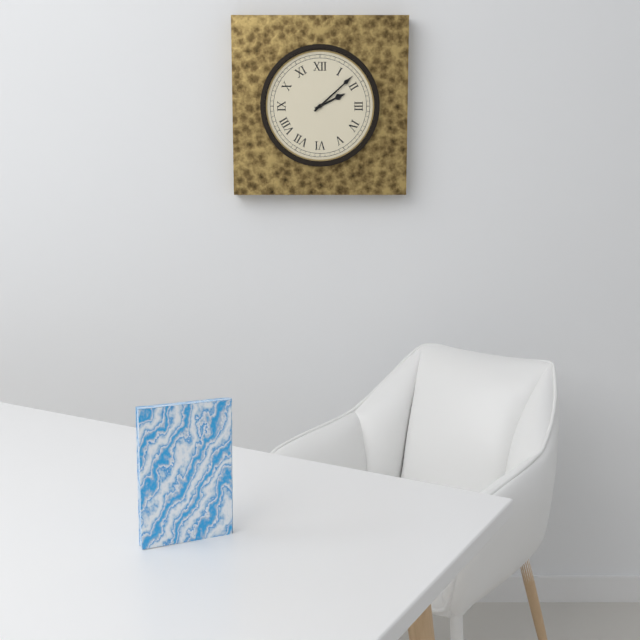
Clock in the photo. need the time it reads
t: 2:08
